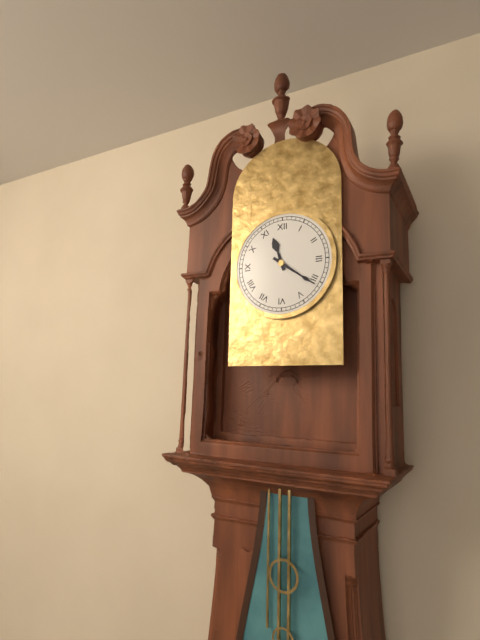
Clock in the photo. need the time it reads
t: 11:21
